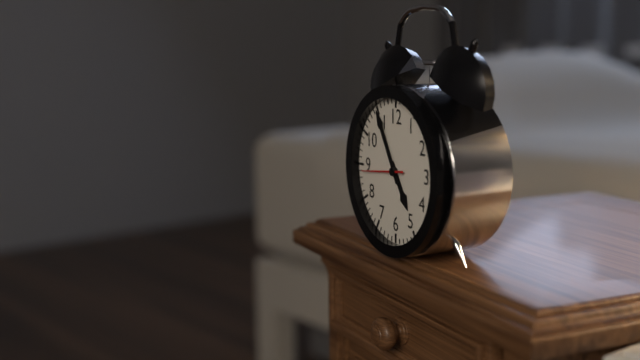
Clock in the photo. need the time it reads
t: 4:55
